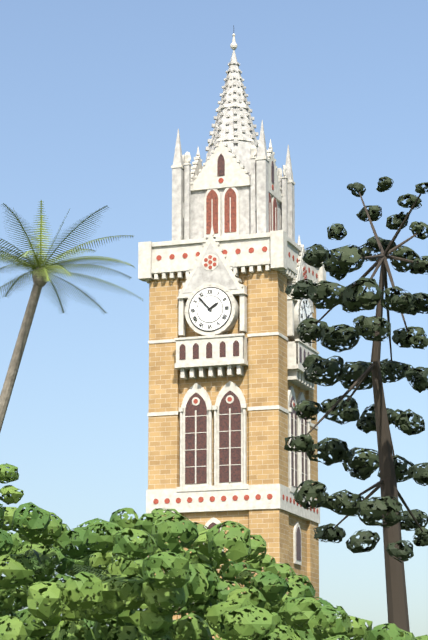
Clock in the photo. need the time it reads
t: 1:53
